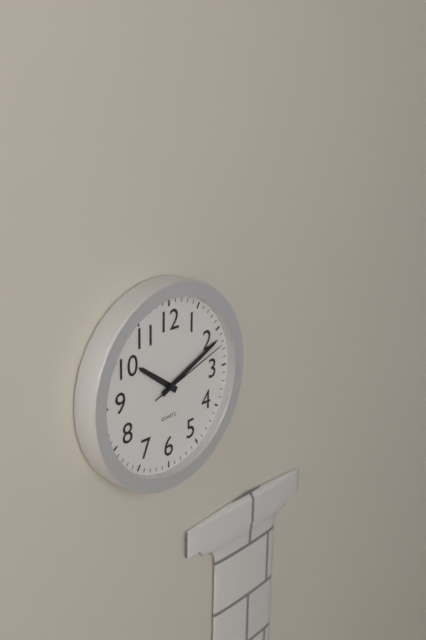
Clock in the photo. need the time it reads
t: 10:11:12
